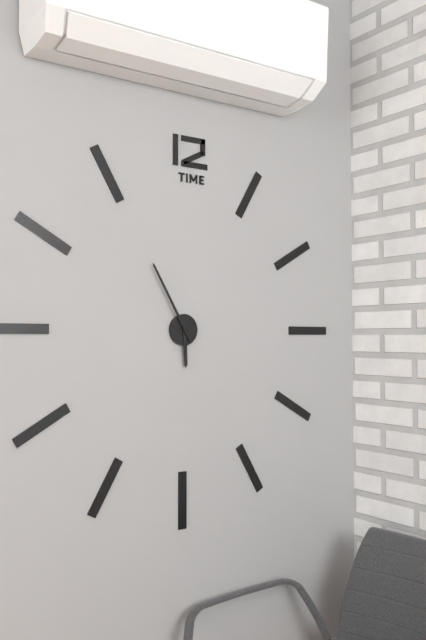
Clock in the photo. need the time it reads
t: 5:55
